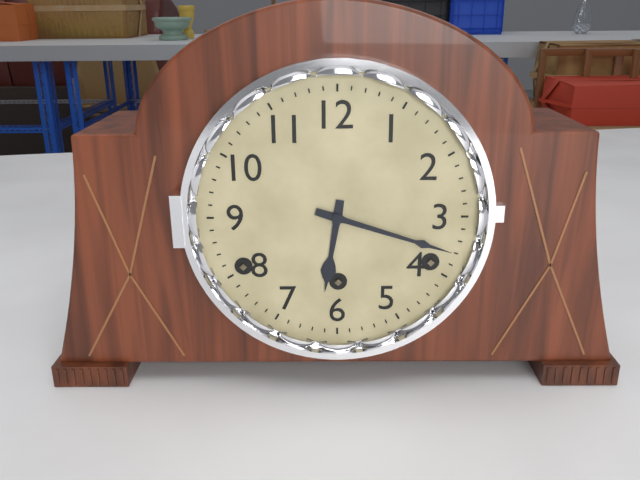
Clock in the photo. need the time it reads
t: 6:18
